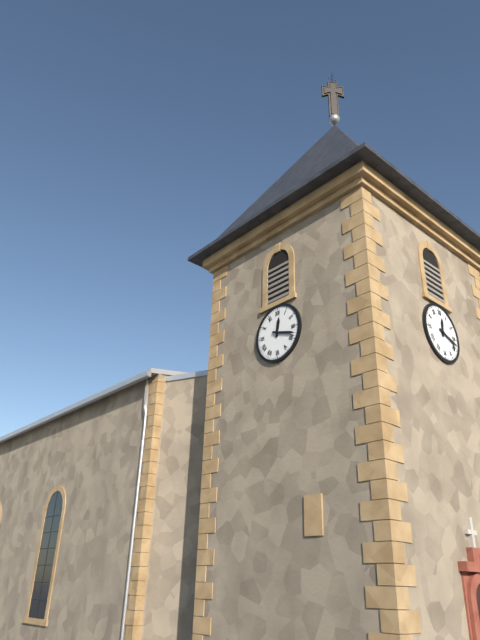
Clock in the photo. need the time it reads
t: 12:18
